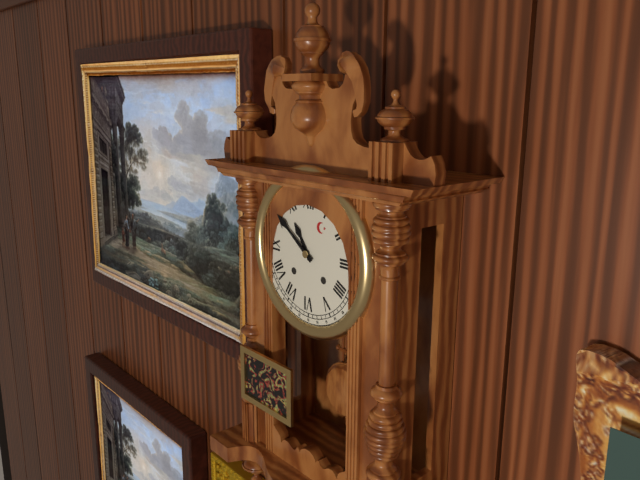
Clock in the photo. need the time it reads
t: 10:51
